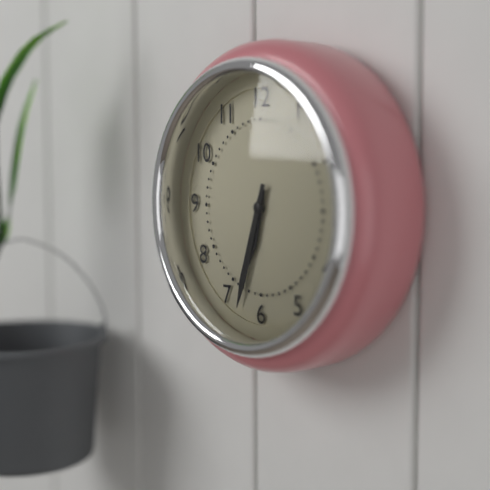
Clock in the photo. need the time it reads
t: 6:33
